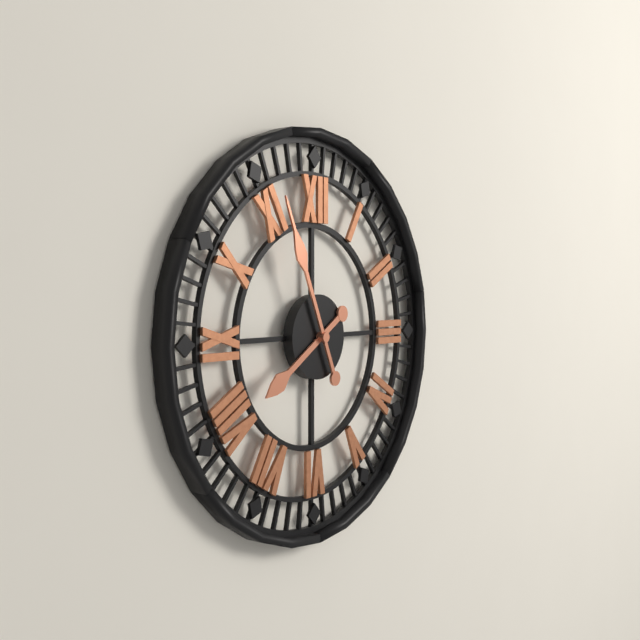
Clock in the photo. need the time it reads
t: 7:56
